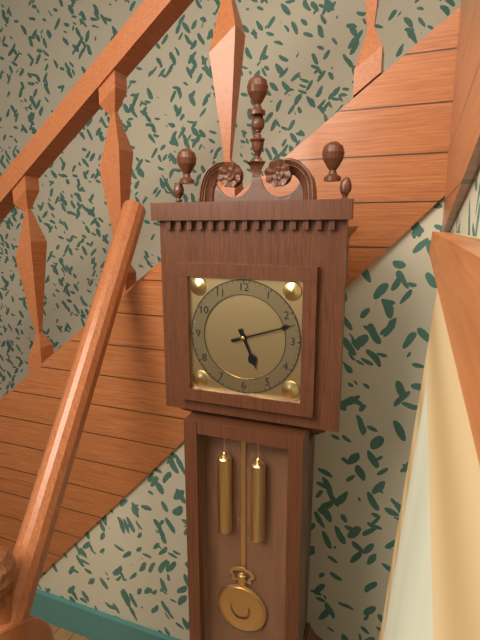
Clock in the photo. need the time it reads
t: 5:12
